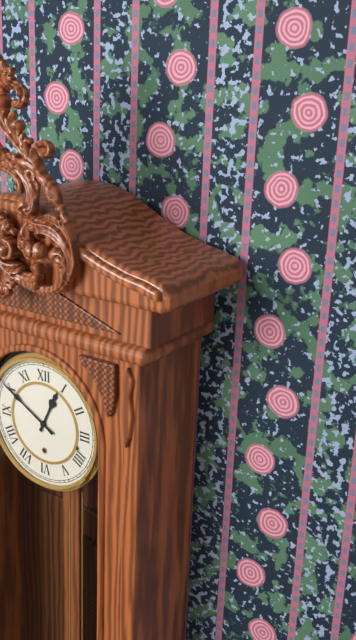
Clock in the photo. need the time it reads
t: 12:50
